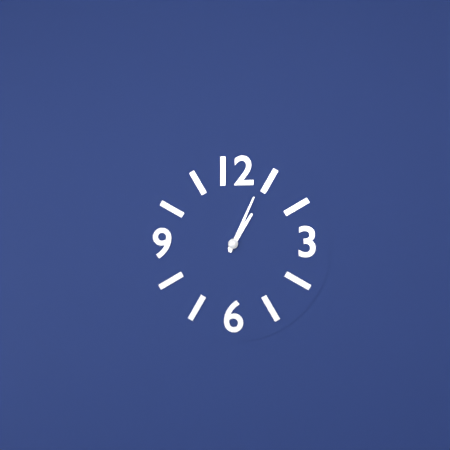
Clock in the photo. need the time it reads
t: 1:04
